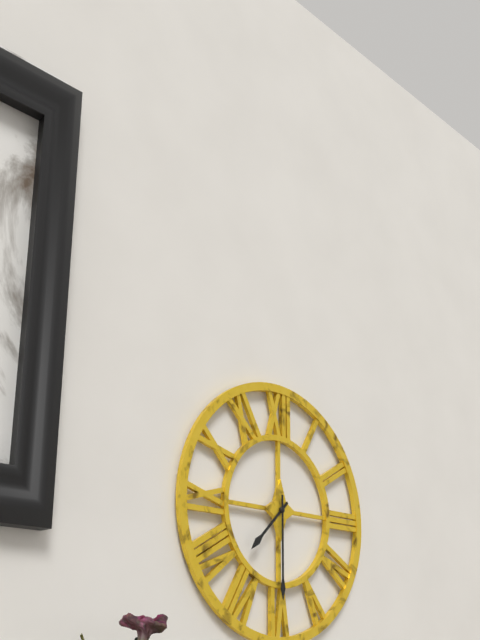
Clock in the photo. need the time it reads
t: 7:30
